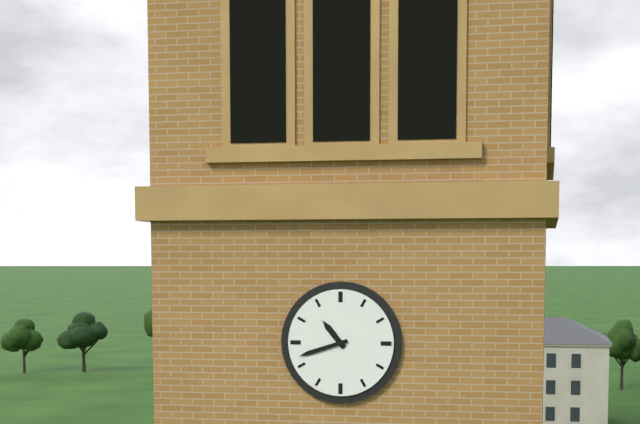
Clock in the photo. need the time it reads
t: 10:42
